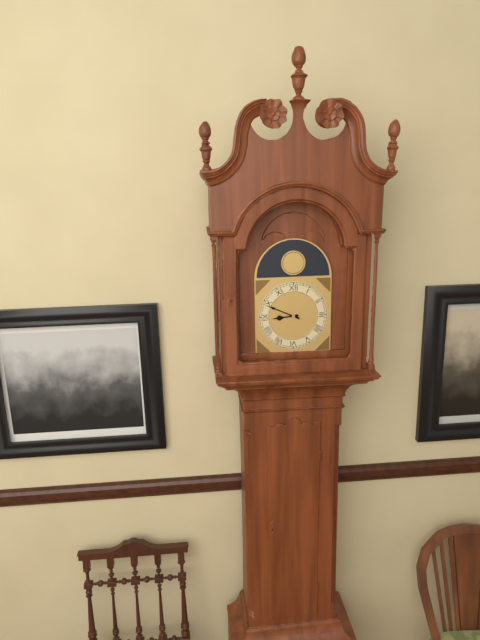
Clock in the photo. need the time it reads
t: 8:49
